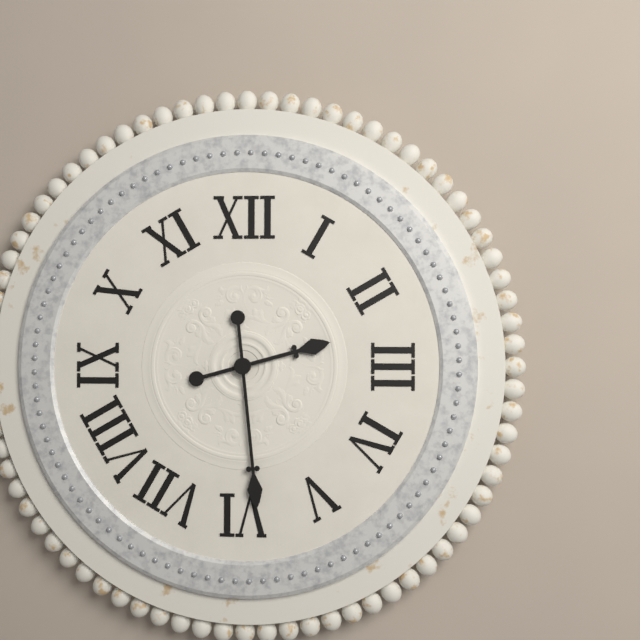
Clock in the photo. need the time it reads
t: 2:29
